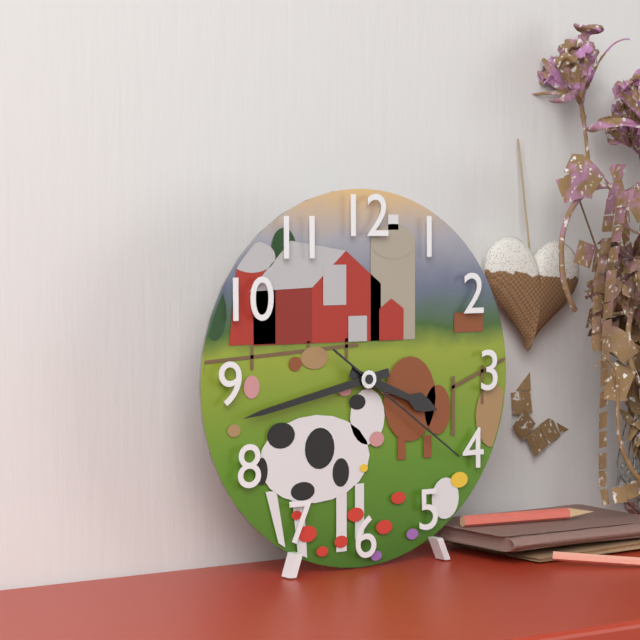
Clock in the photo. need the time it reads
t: 3:43:21
